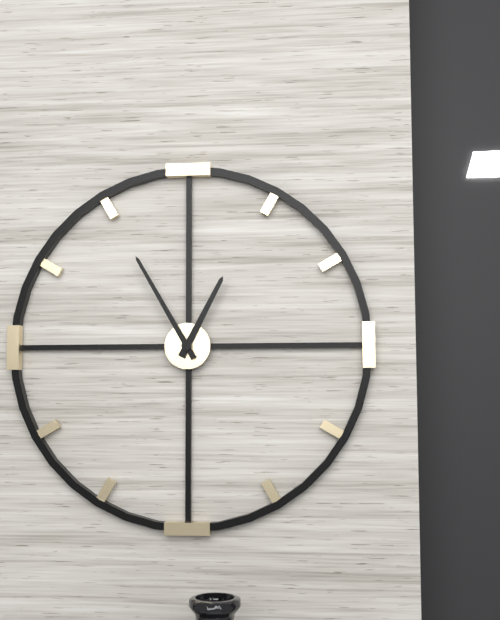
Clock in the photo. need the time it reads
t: 12:55
